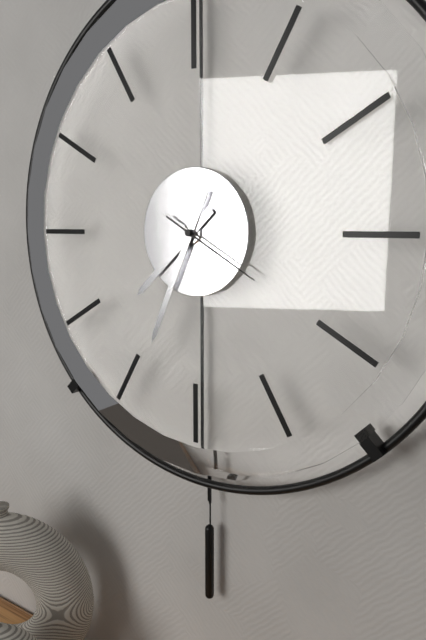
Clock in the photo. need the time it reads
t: 7:34:20
